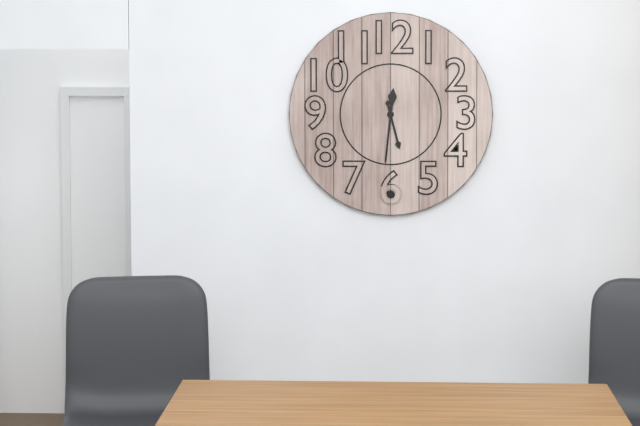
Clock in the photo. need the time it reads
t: 5:31
